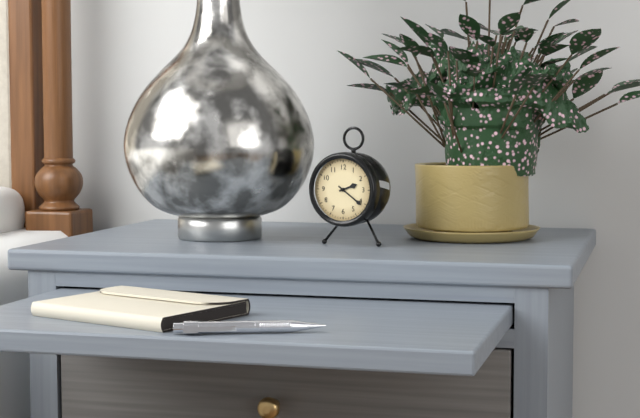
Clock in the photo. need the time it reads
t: 2:21
